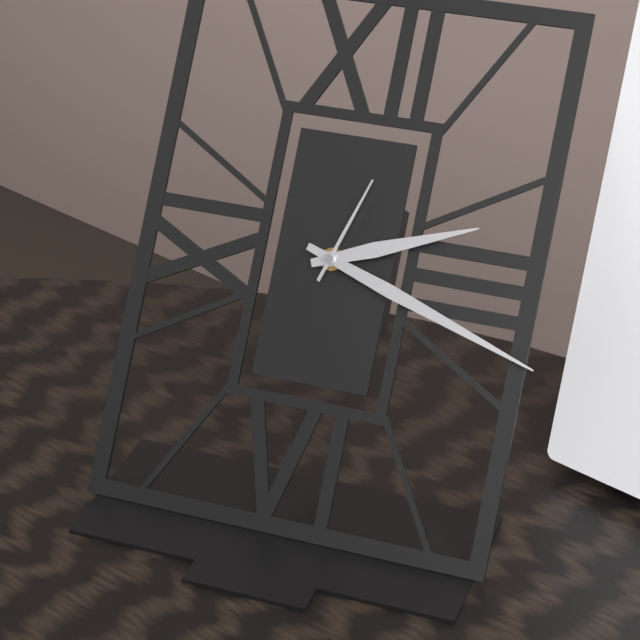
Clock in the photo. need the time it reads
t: 2:18:03
